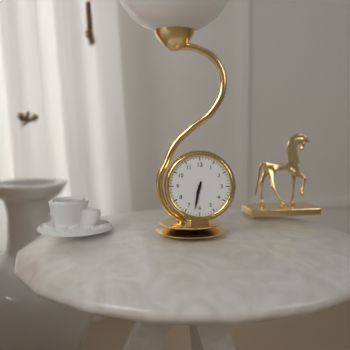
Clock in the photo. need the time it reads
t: 6:32
